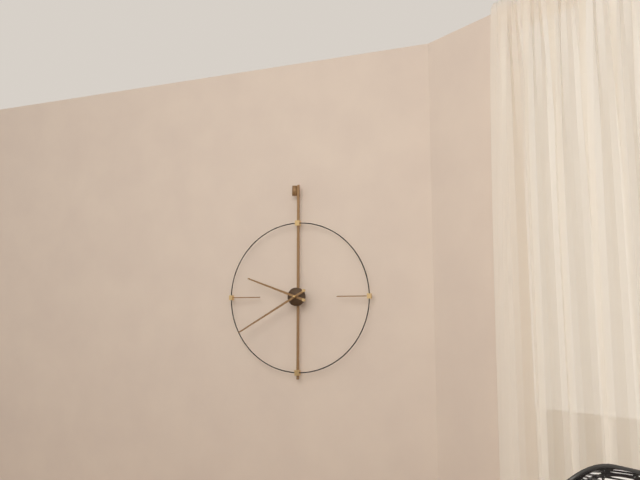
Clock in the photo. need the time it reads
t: 9:40
